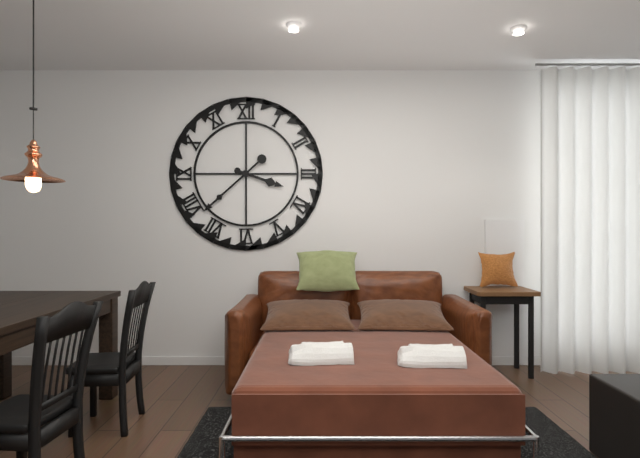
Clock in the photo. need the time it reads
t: 3:38
